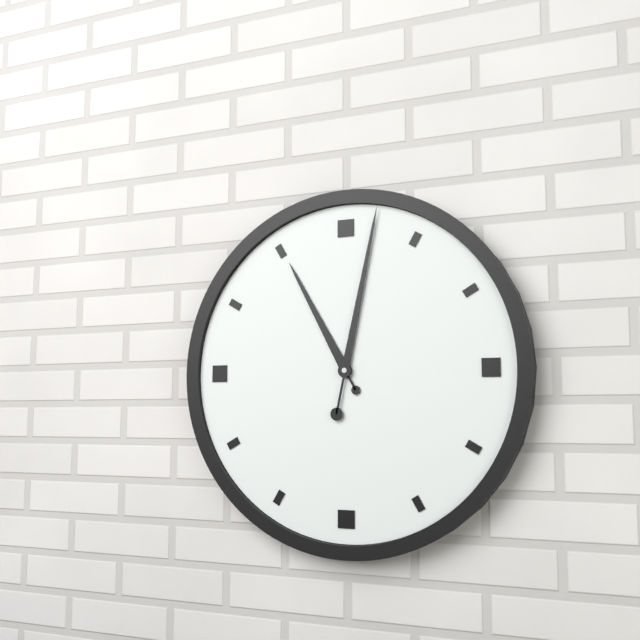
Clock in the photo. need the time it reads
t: 11:02
